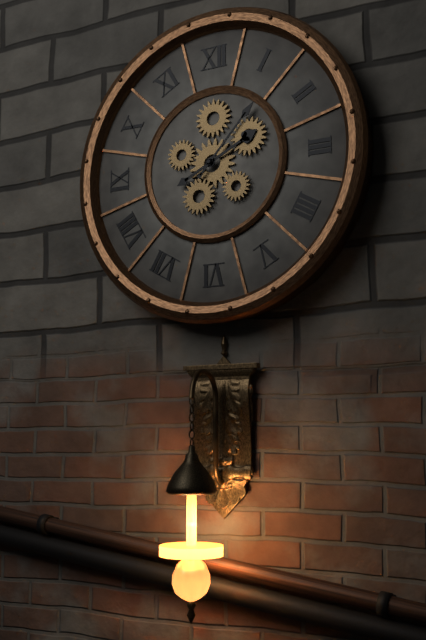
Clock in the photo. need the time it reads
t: 2:07
